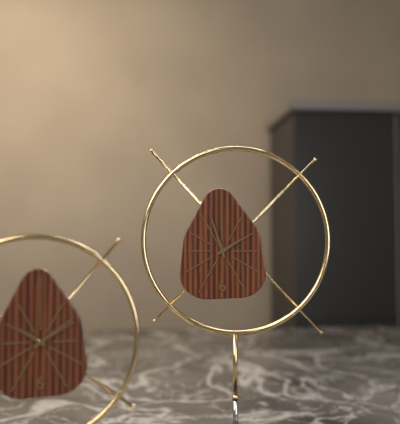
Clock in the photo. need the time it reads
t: 1:57
